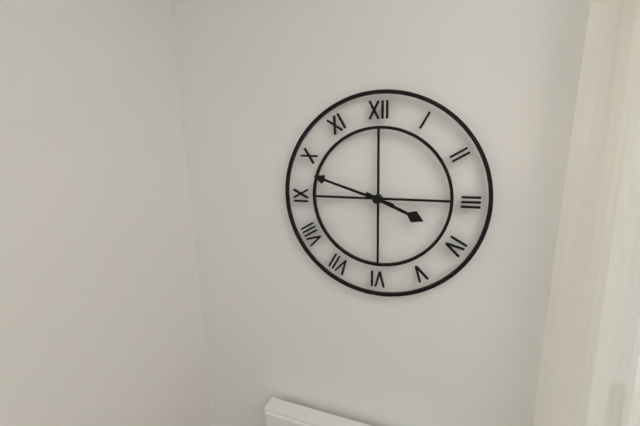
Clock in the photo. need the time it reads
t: 3:48
